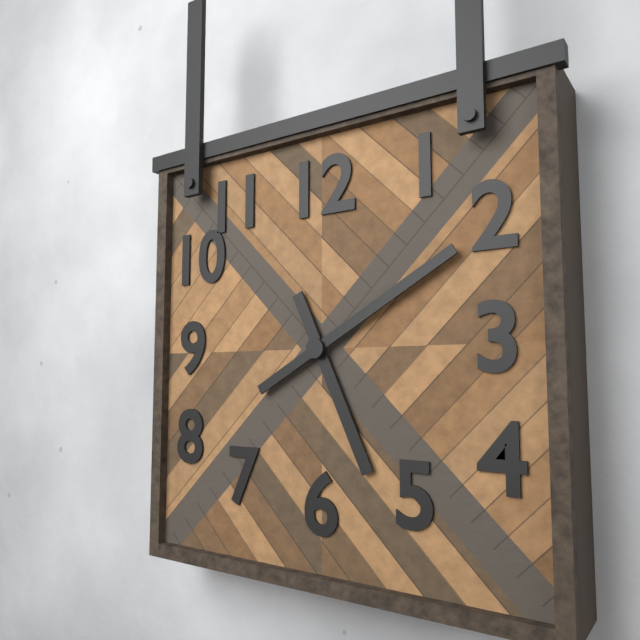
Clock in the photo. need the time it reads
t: 5:10
